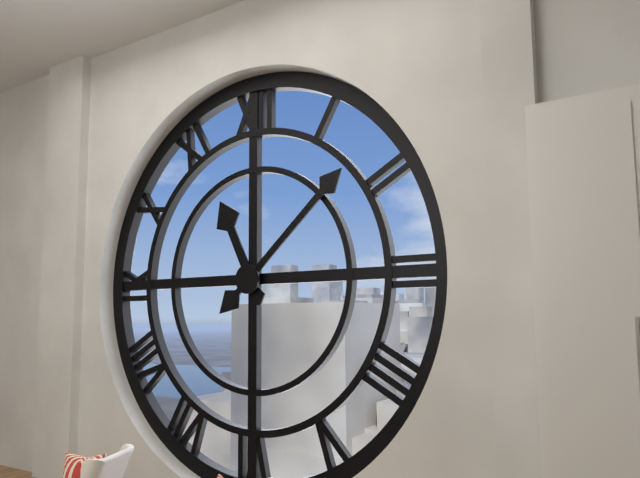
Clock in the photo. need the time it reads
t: 11:08
